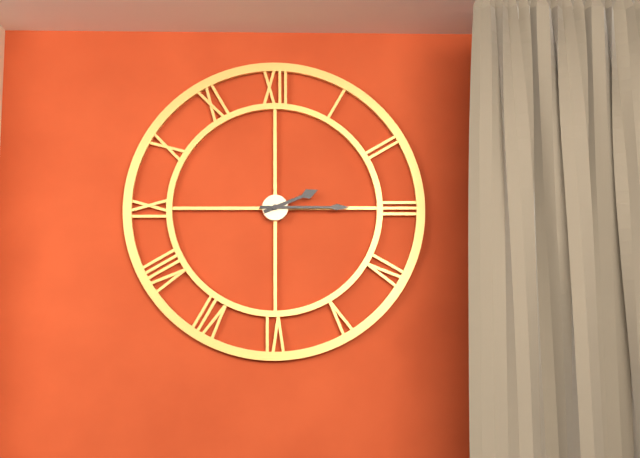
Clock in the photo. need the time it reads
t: 2:15
